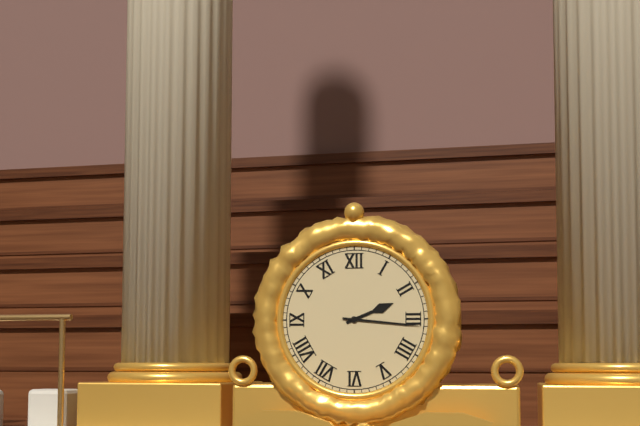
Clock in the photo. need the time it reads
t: 2:16
